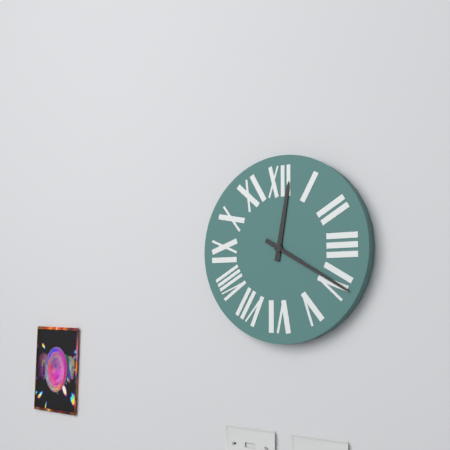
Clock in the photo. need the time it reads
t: 12:20
